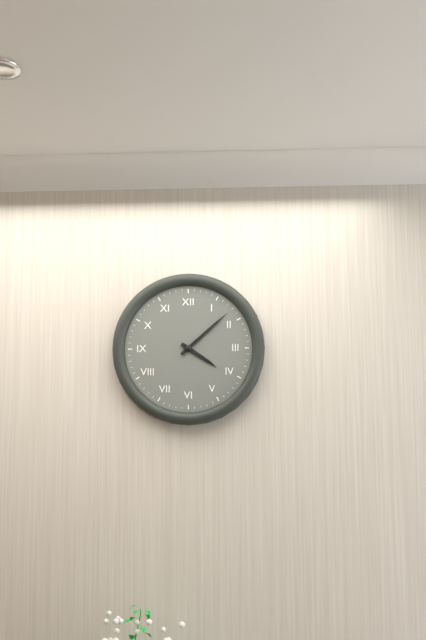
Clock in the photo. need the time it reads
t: 4:08
